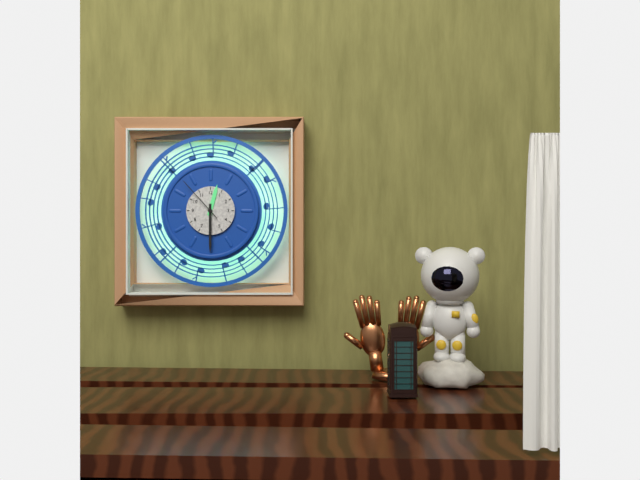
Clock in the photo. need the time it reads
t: 12:30
